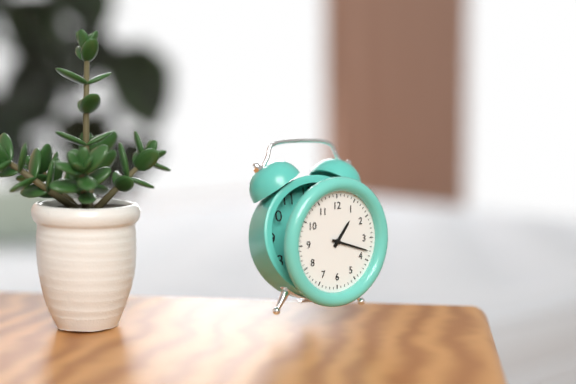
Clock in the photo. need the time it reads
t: 1:18
